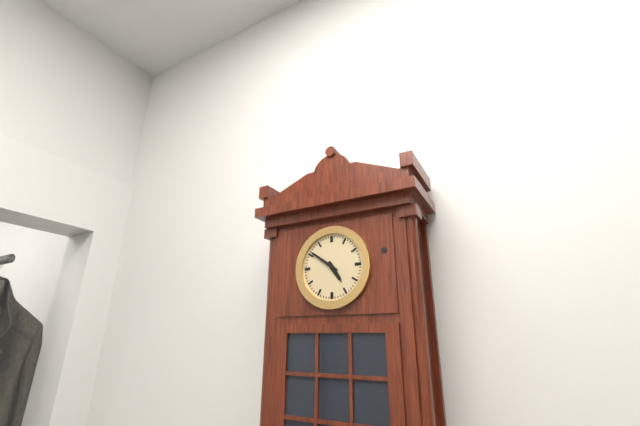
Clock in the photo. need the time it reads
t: 4:51
